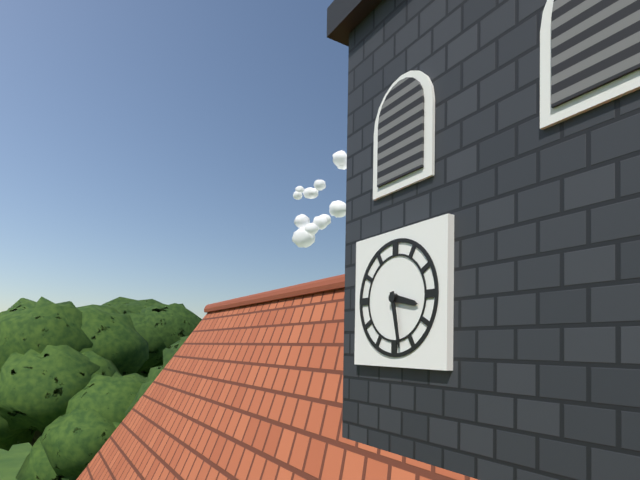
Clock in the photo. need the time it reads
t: 3:28
